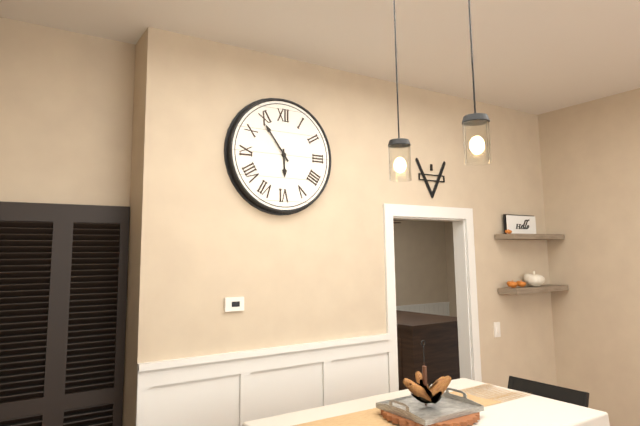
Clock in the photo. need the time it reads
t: 5:54
